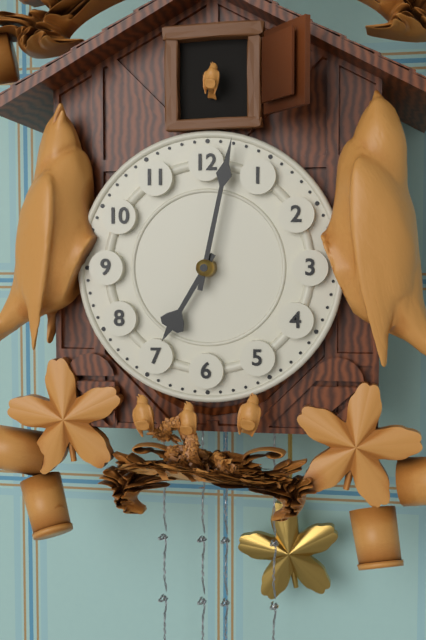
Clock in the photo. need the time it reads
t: 7:02
